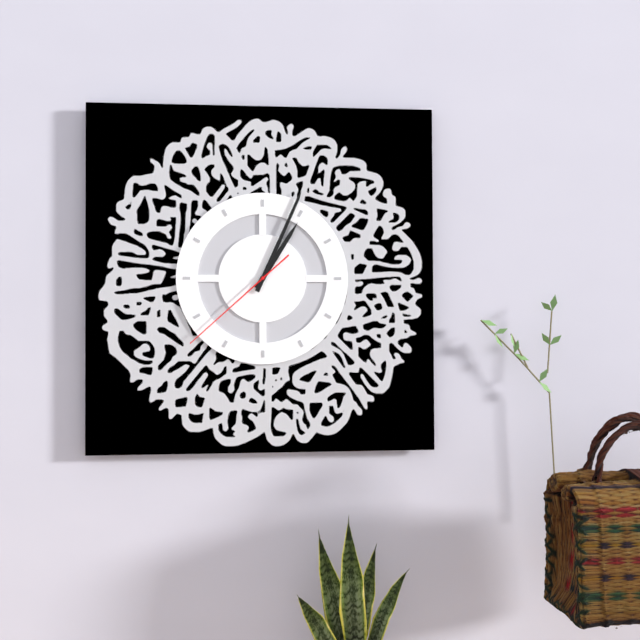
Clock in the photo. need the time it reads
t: 1:04:38
